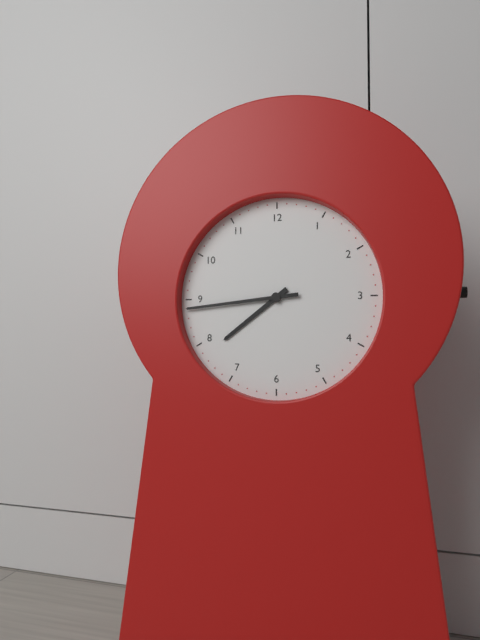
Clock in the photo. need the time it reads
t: 7:44
